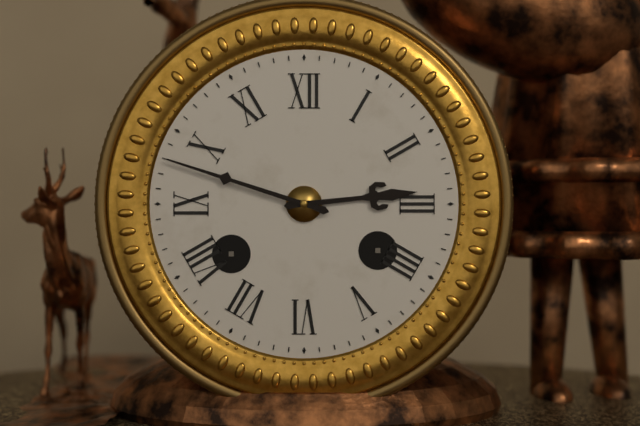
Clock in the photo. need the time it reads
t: 2:48
